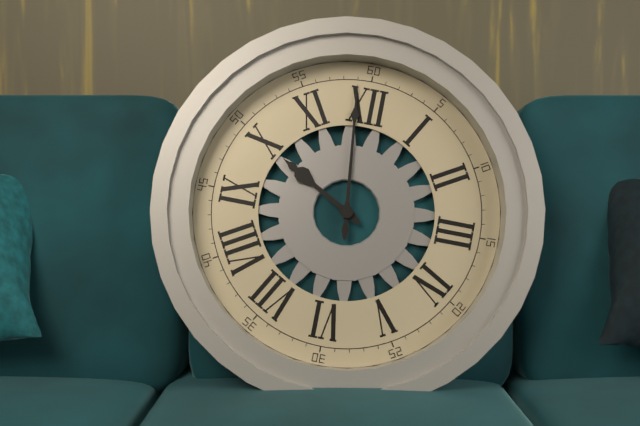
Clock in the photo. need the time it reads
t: 9:59
